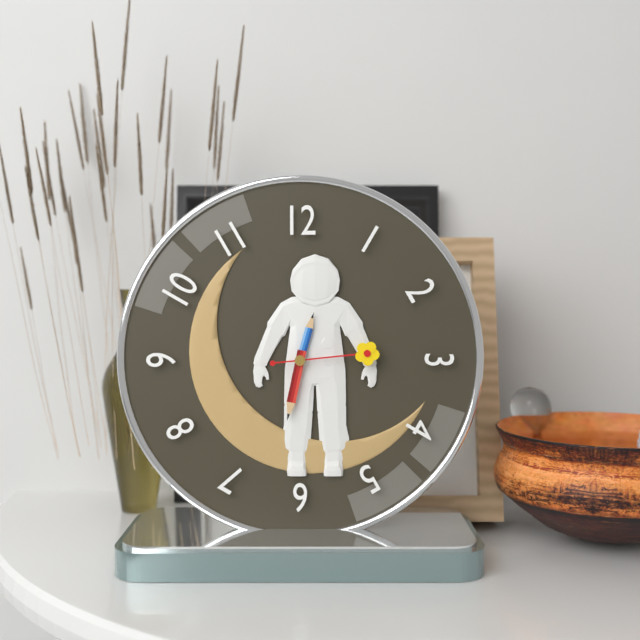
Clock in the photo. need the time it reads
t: 12:32:14
